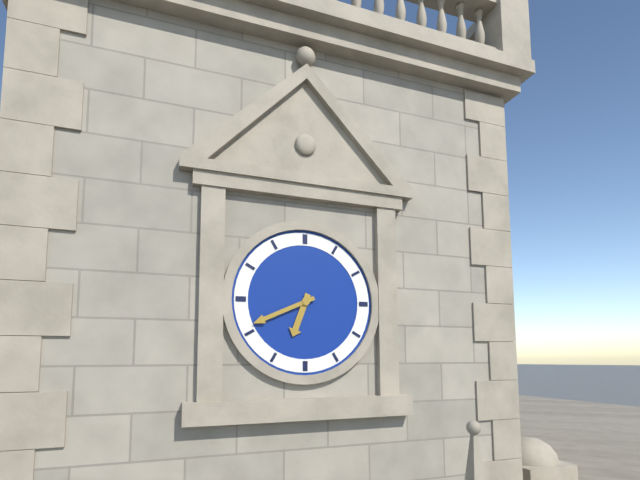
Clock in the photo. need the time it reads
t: 6:41
